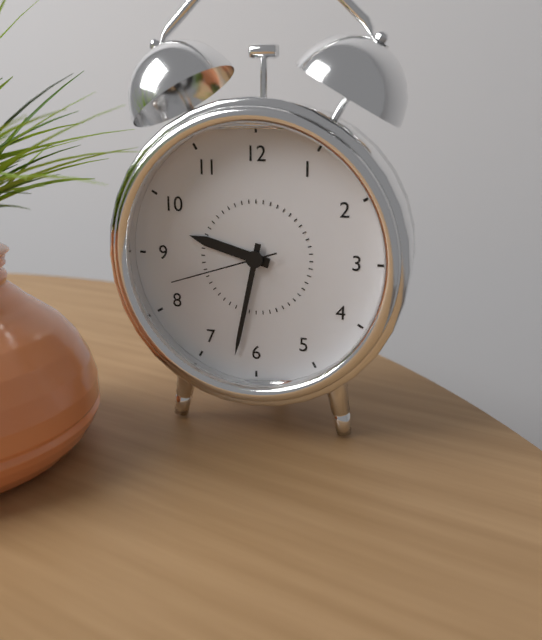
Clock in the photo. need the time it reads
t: 9:32:42
